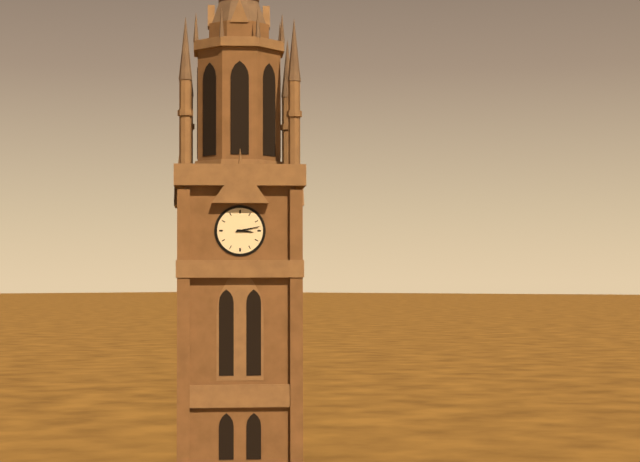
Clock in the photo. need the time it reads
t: 3:13
